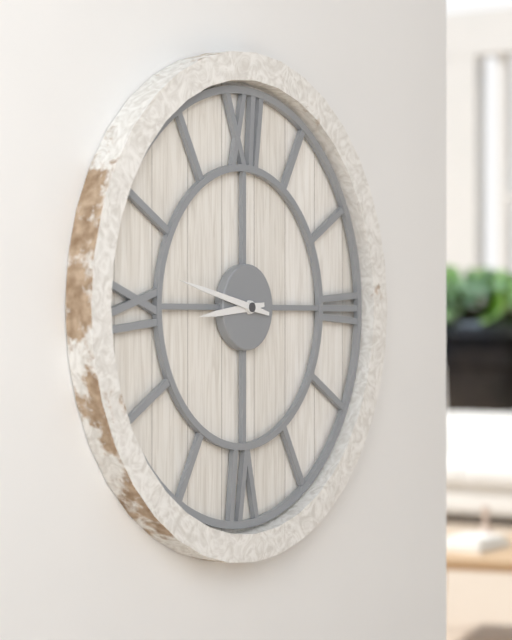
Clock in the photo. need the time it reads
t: 8:47
